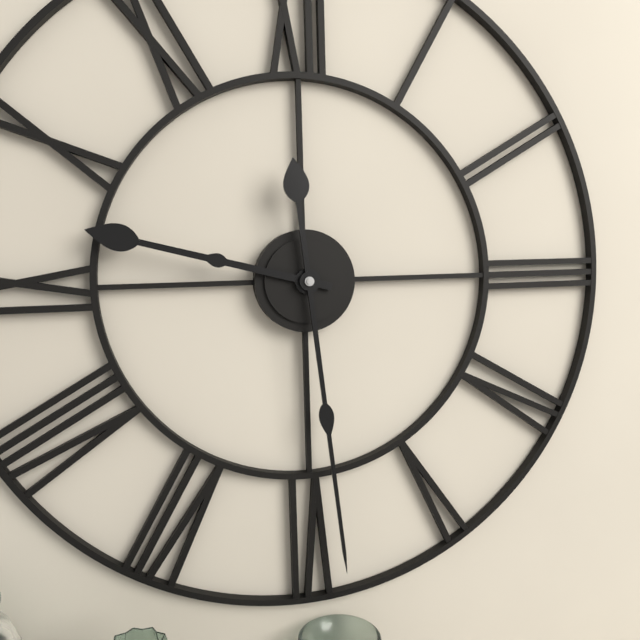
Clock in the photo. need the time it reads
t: 9:29
